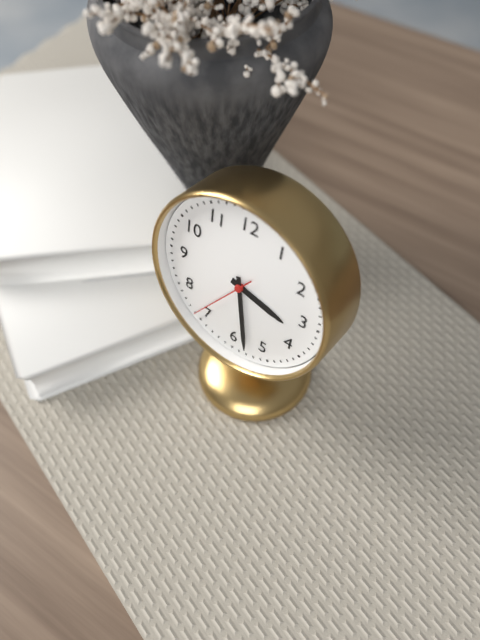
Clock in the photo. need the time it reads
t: 3:28:36
